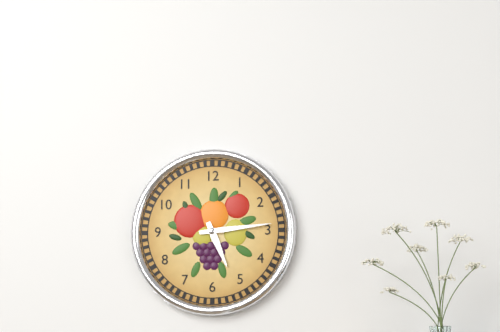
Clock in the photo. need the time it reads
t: 5:14
